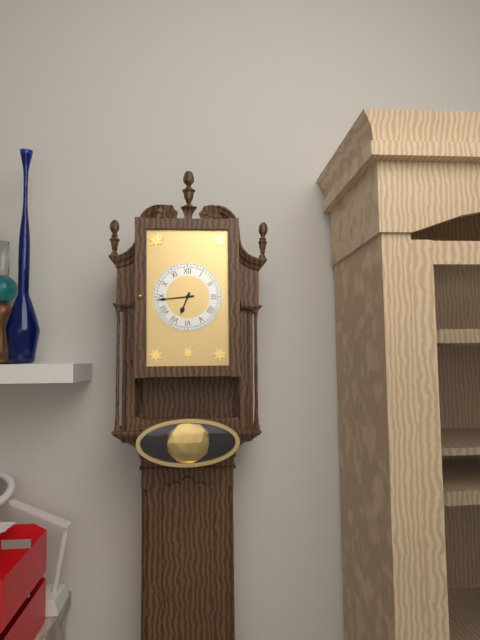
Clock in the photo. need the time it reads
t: 6:44
